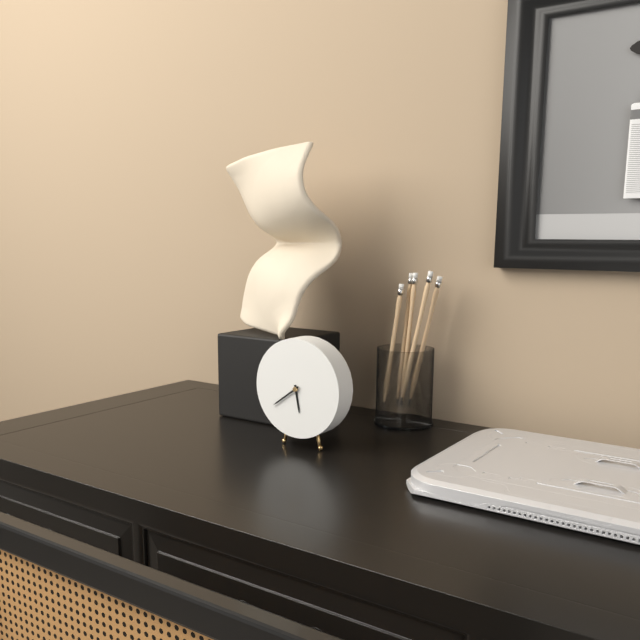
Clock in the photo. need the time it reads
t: 5:39
